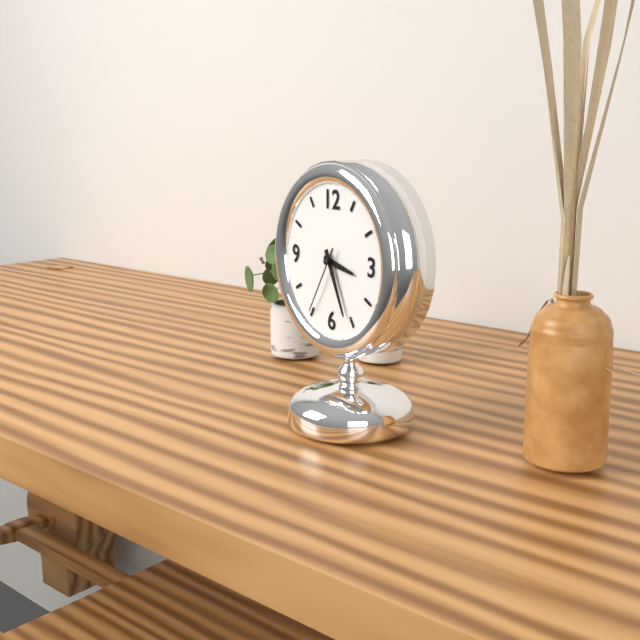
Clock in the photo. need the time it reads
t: 3:26:35
